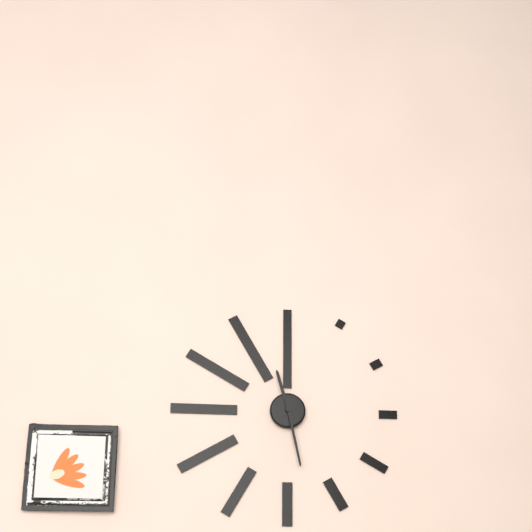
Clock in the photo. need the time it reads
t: 11:28
